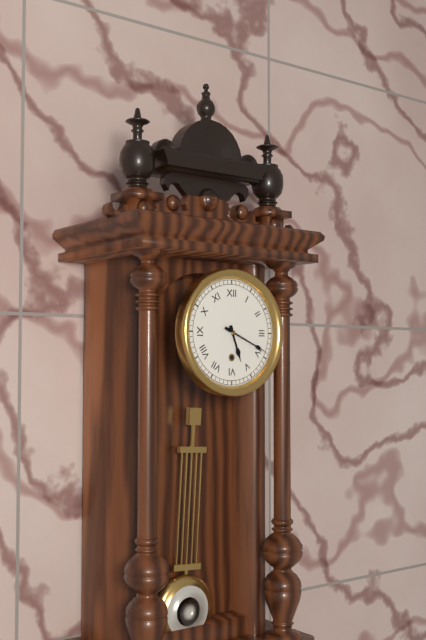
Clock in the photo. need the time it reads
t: 5:19
